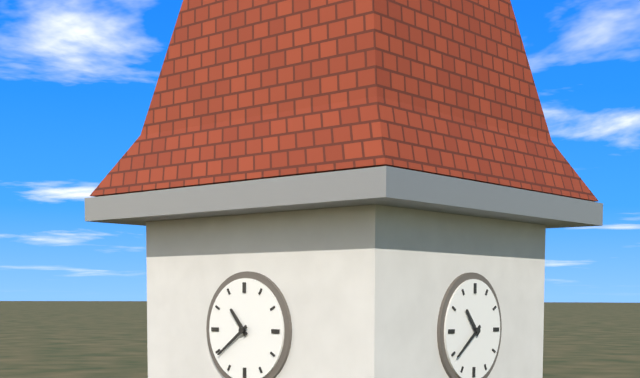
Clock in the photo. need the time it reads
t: 10:39
